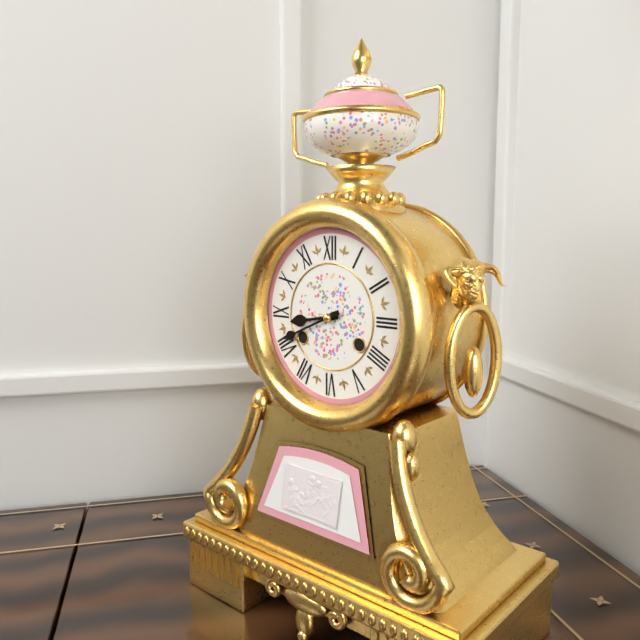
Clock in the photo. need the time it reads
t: 8:41
